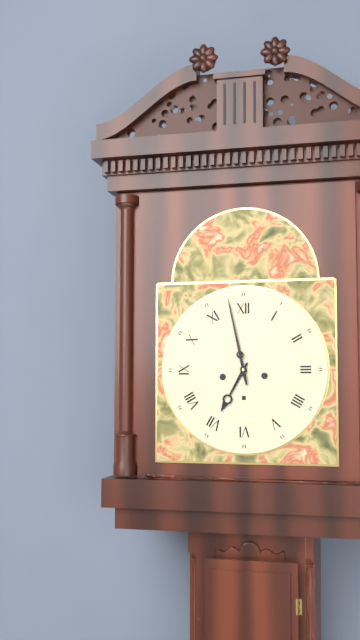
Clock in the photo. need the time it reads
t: 6:58
